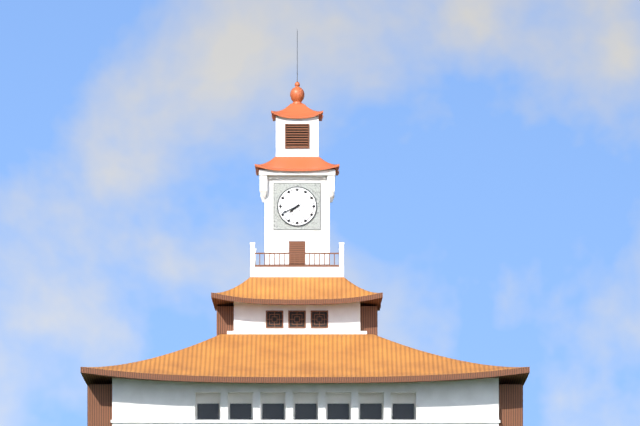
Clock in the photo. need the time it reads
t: 7:41
